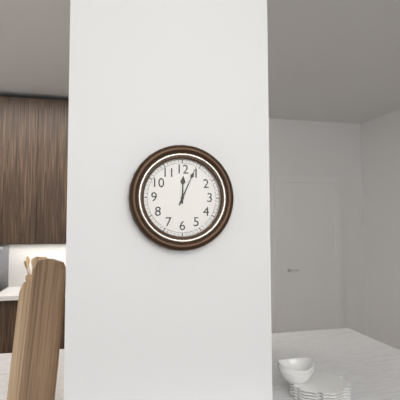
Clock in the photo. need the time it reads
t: 12:04
